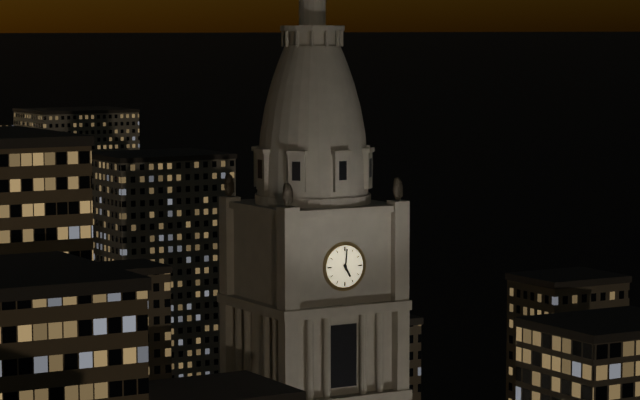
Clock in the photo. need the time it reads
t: 5:01
